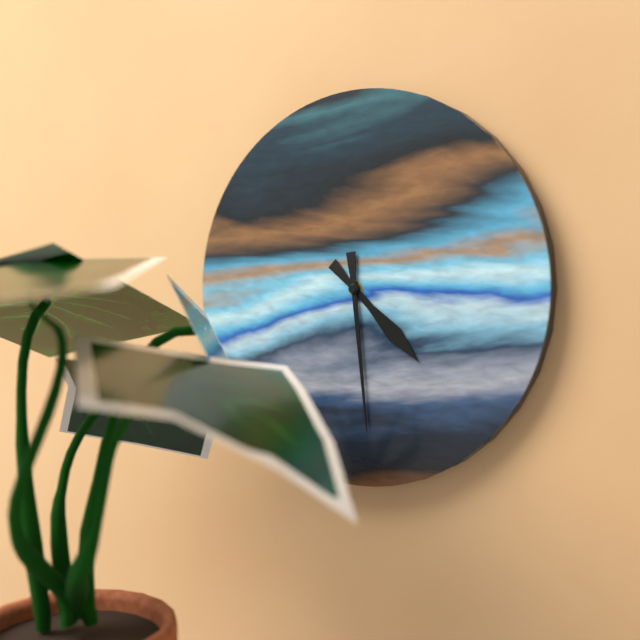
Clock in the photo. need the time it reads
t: 4:29
